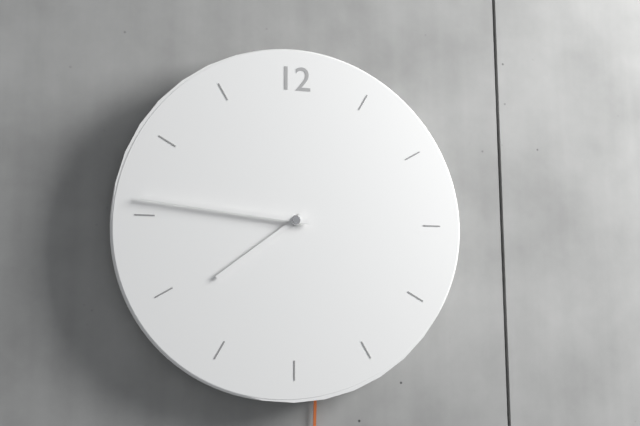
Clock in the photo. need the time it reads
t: 7:46
